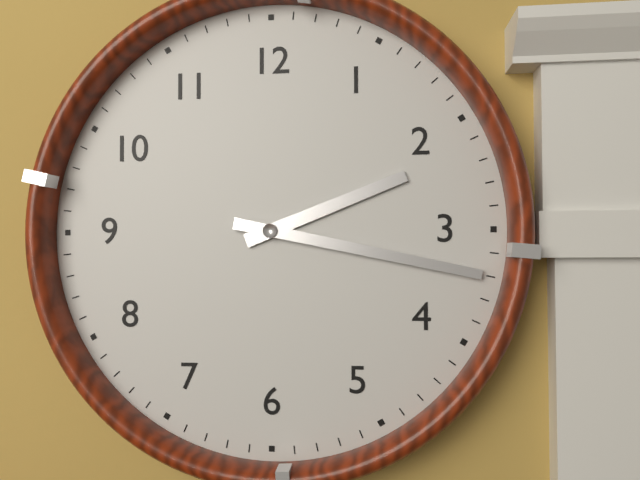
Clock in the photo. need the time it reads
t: 2:17
